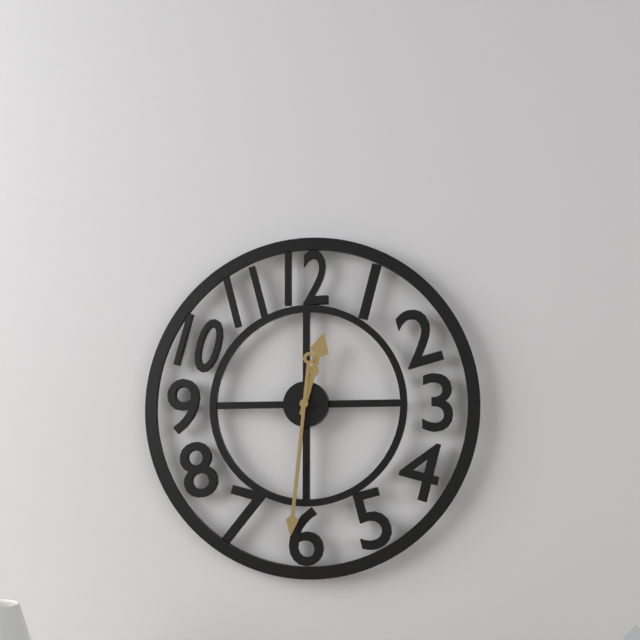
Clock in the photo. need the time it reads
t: 12:31
